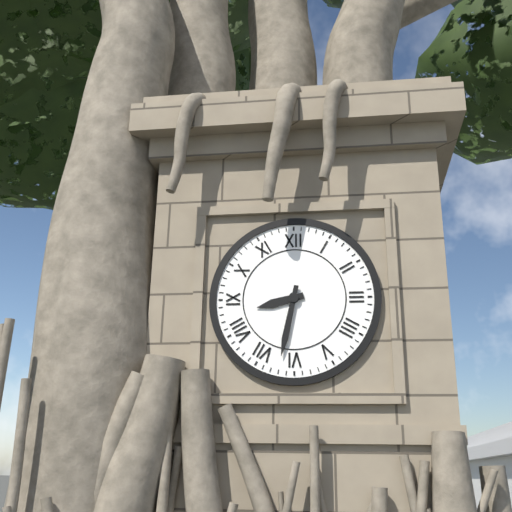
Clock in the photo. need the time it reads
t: 8:32
